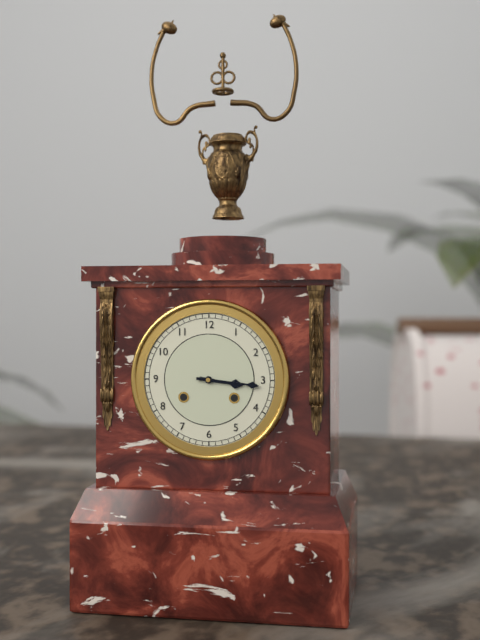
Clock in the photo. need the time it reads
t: 3:16
